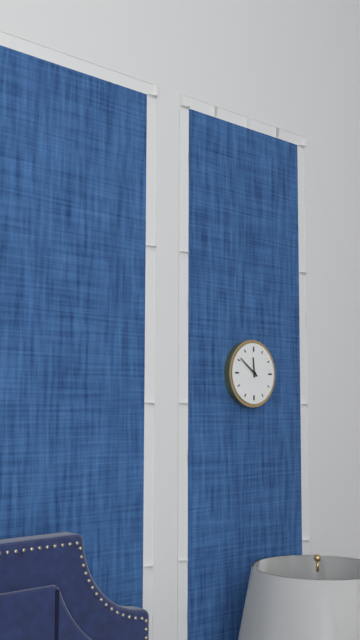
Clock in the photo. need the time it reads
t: 11:51
